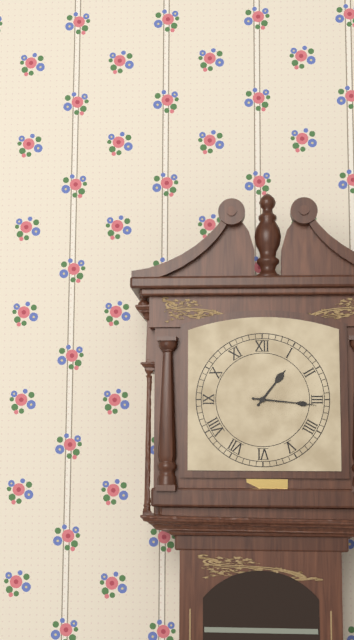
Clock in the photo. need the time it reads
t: 1:16
